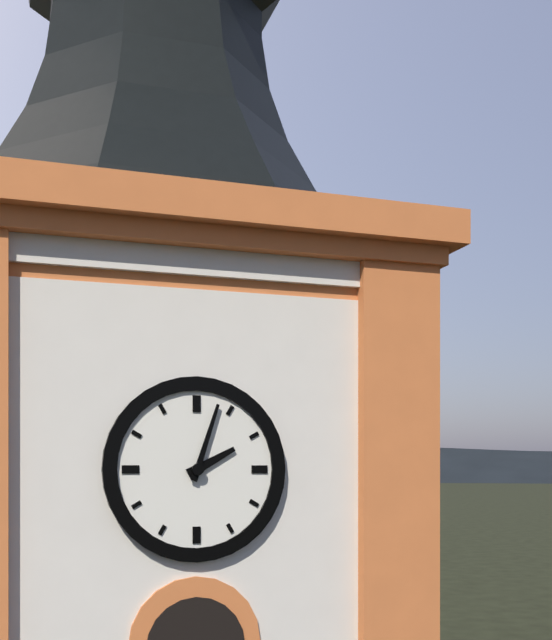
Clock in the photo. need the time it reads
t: 2:03
